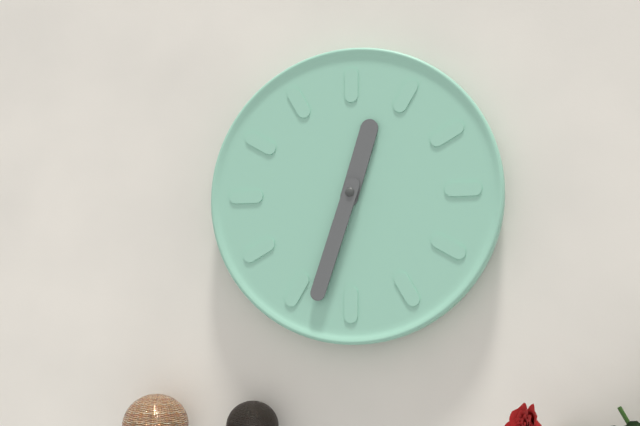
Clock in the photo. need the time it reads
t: 12:33
